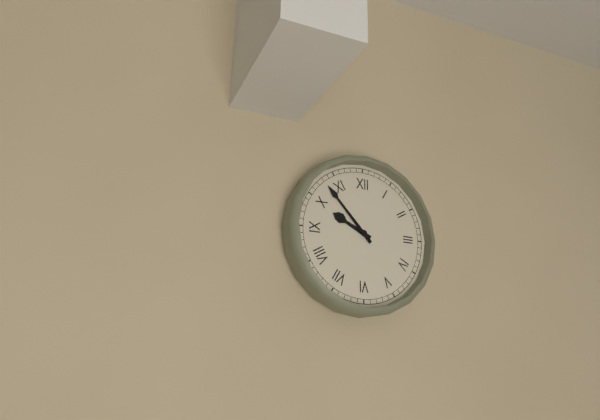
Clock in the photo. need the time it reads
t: 9:53
